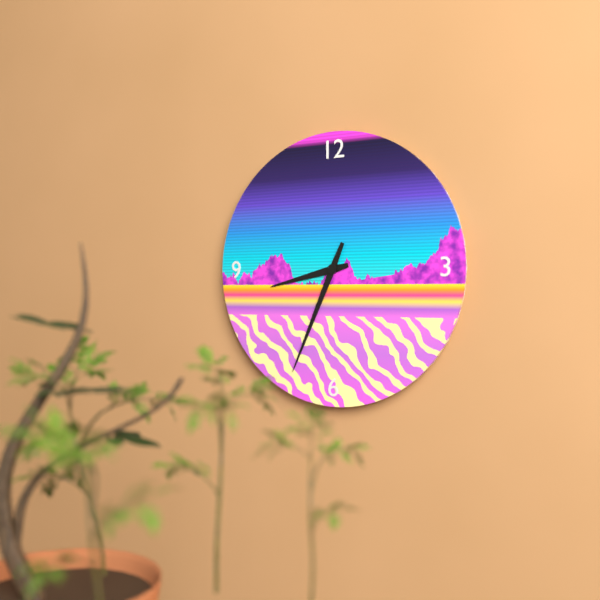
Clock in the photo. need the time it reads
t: 8:34
